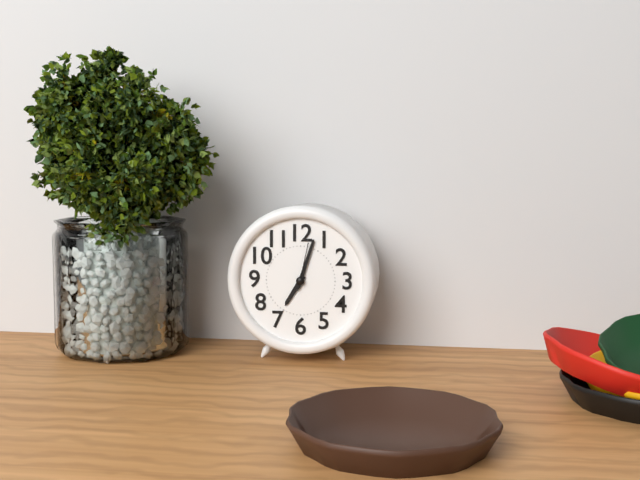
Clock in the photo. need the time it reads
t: 7:03
